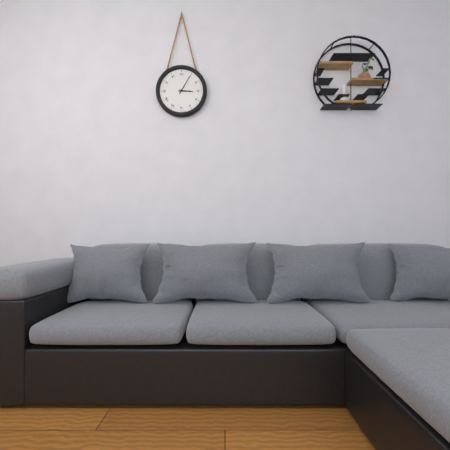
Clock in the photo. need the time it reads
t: 3:05
